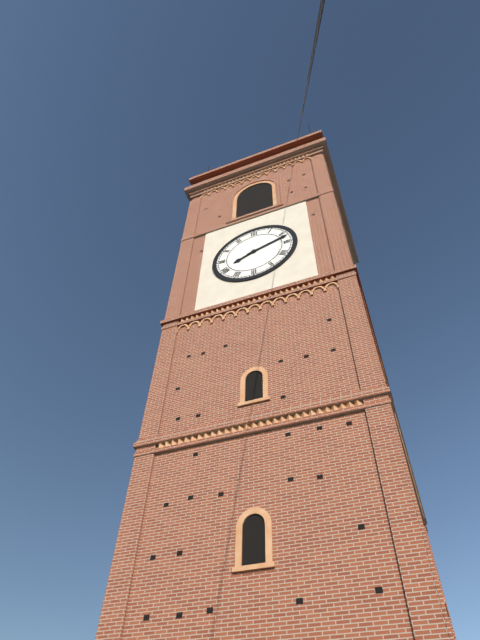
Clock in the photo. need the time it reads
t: 8:12
